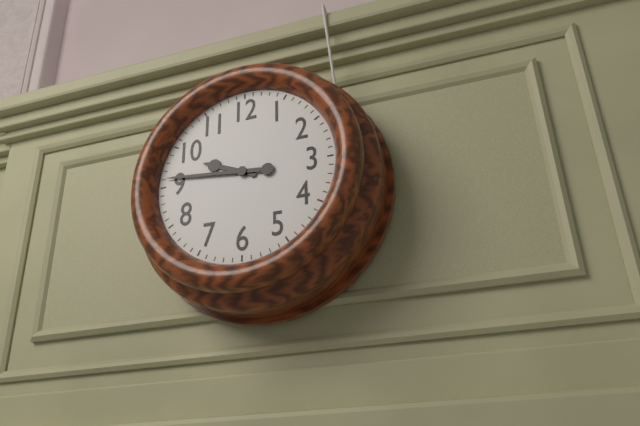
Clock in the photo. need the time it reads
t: 9:46
